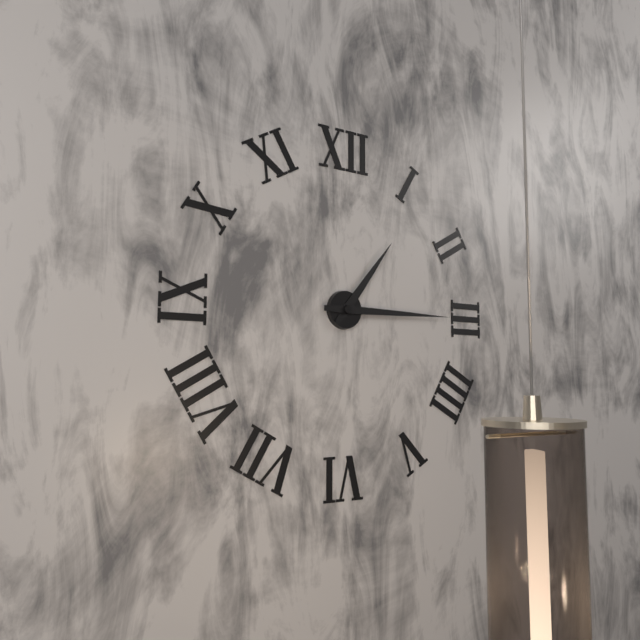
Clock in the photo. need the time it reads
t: 1:15
